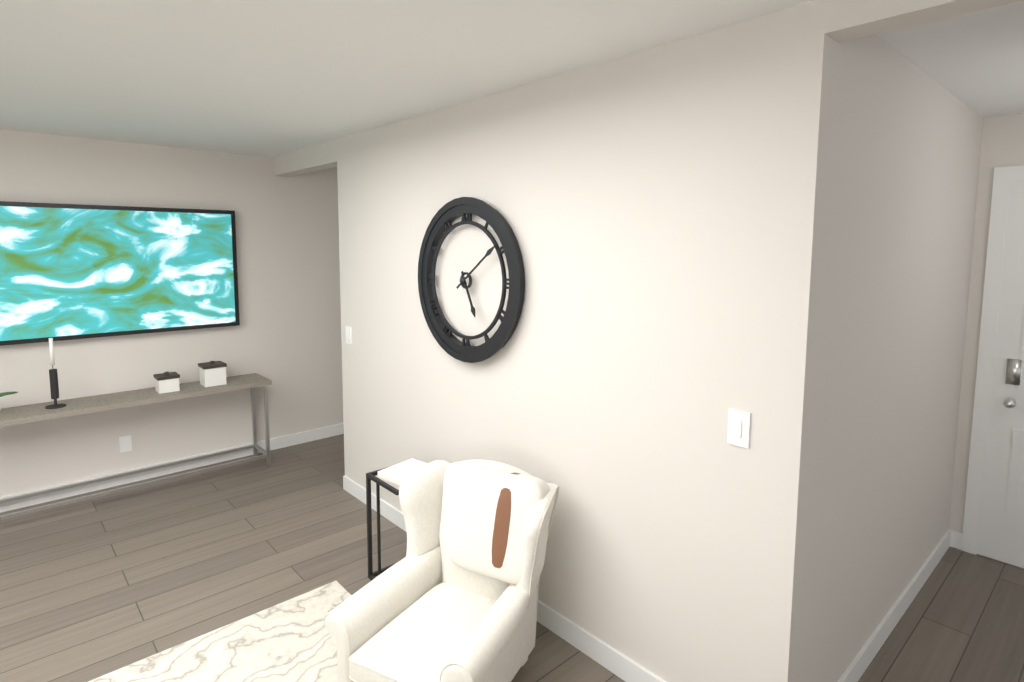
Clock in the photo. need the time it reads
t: 5:09
